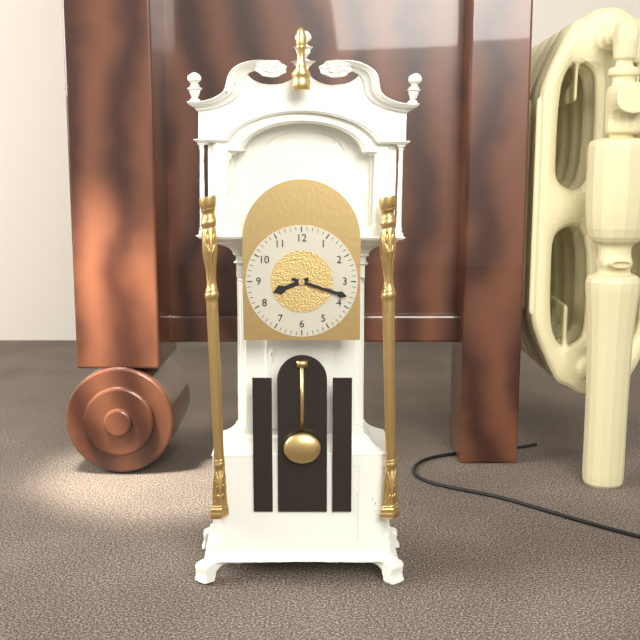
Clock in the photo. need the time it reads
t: 8:18
